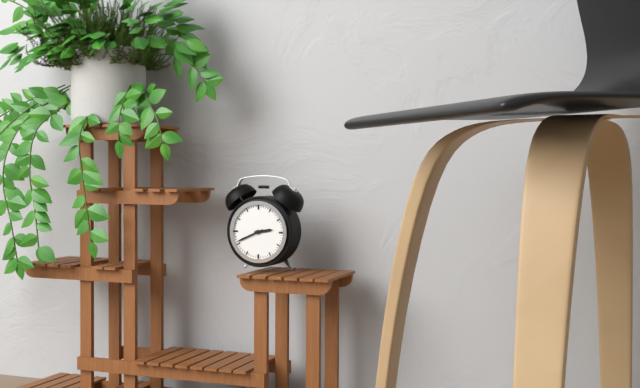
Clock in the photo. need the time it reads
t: 2:41
